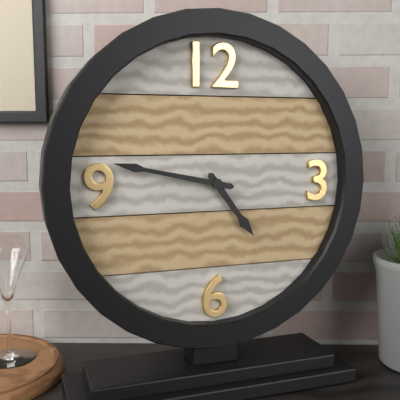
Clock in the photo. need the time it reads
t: 4:47
